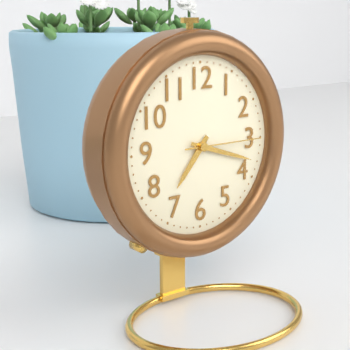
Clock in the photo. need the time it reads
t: 7:18:15
